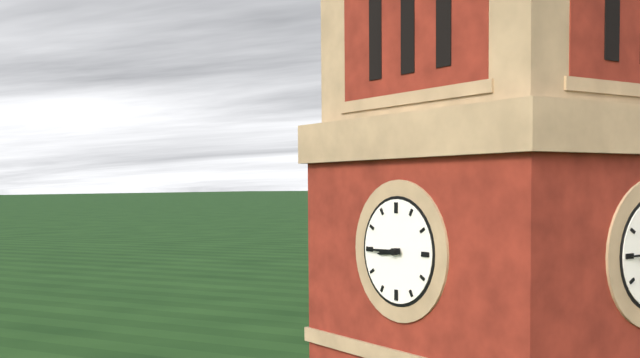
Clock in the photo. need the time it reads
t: 8:45
